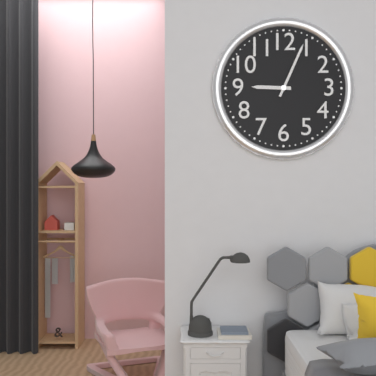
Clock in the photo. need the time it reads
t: 9:04
